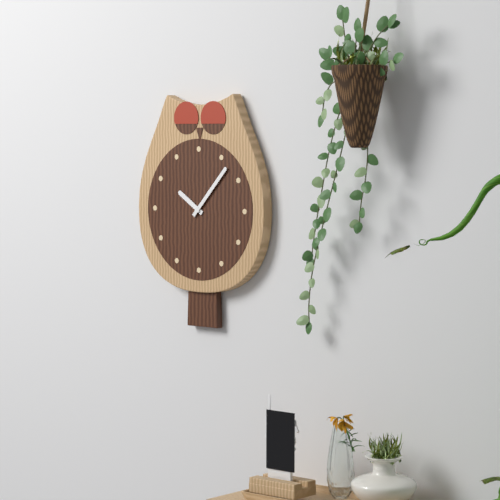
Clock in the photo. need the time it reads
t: 10:07
